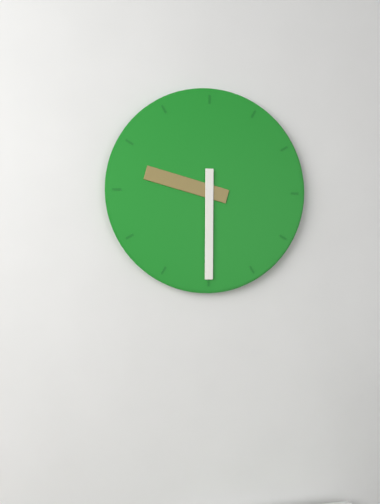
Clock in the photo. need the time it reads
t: 9:30
